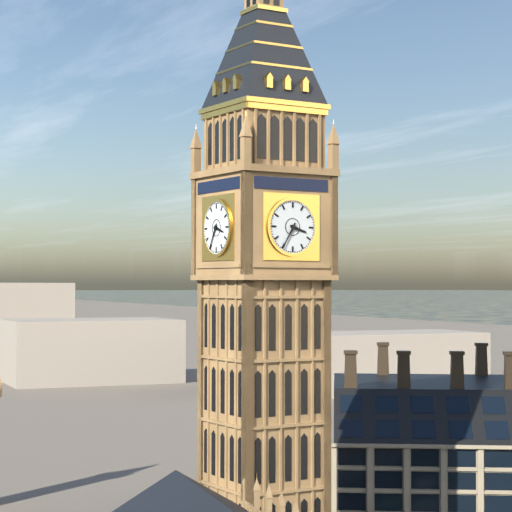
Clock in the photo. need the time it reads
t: 3:35
